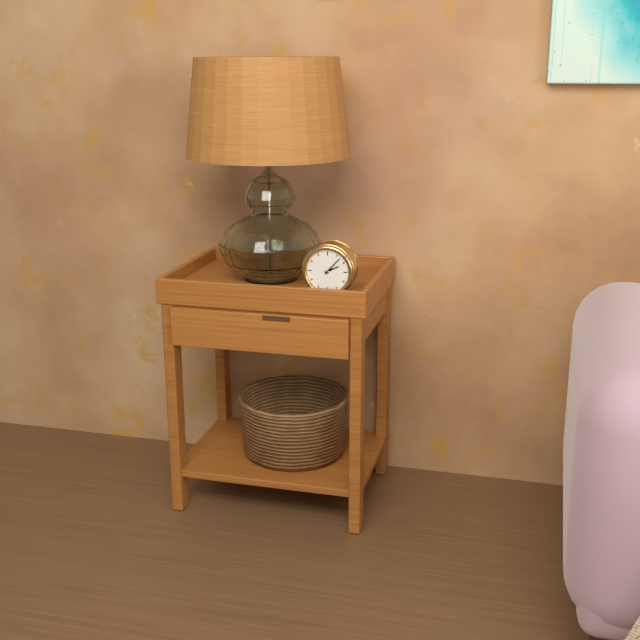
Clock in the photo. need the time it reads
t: 2:07
